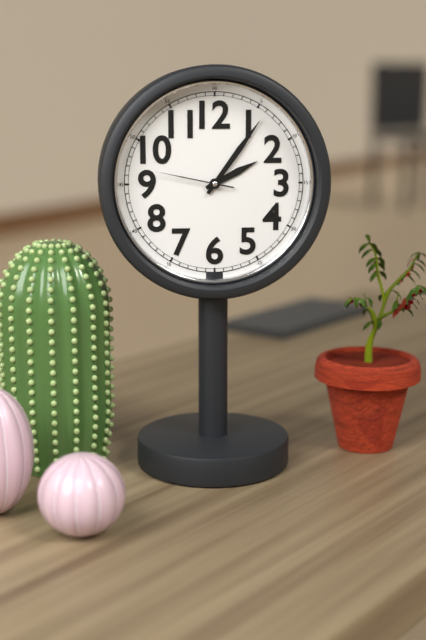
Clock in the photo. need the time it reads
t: 2:06:47
